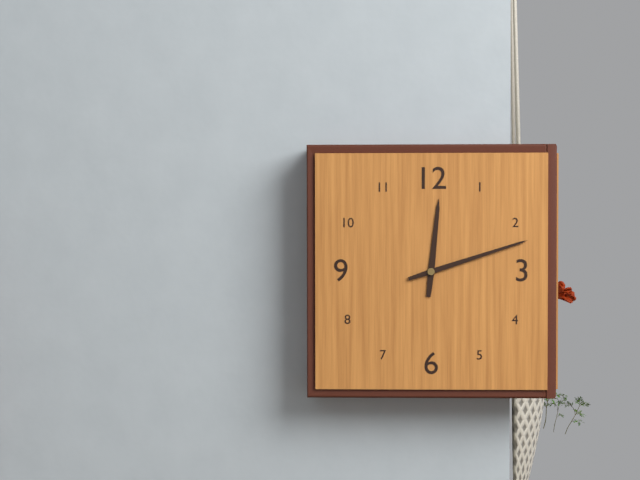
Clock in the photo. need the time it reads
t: 12:12
